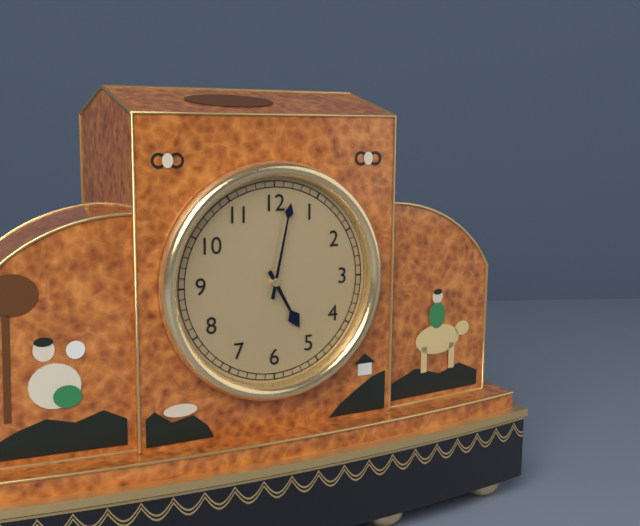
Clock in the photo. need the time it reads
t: 5:02
